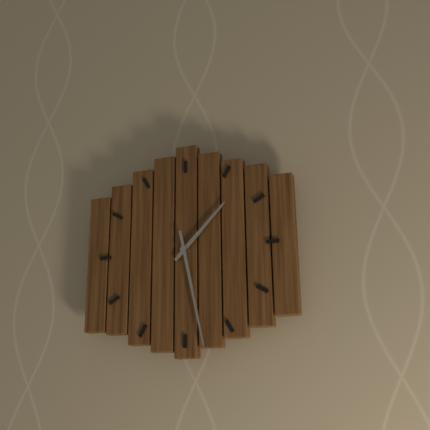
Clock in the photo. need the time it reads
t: 1:28
